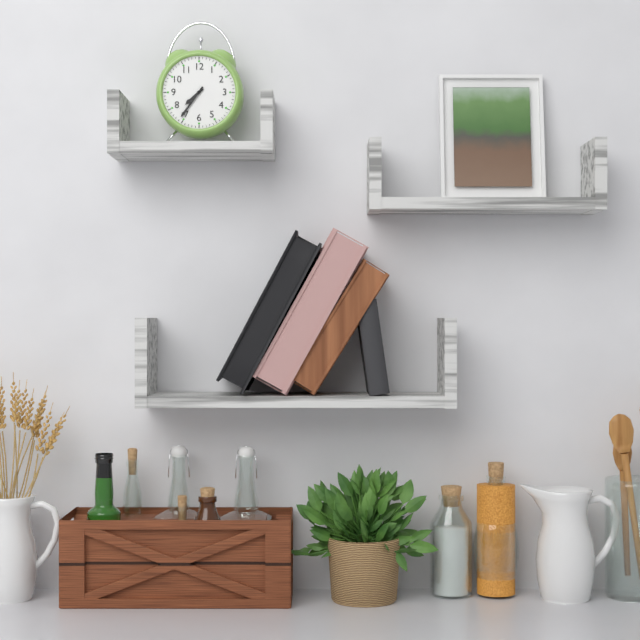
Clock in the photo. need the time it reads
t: 7:36
